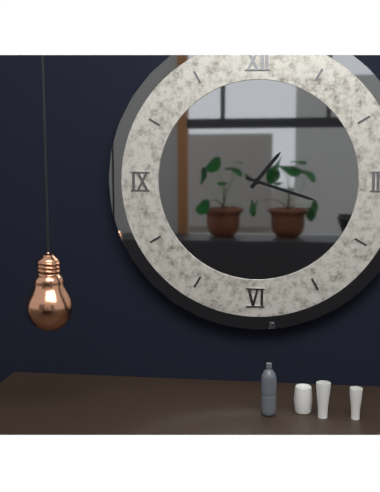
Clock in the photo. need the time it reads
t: 1:18
